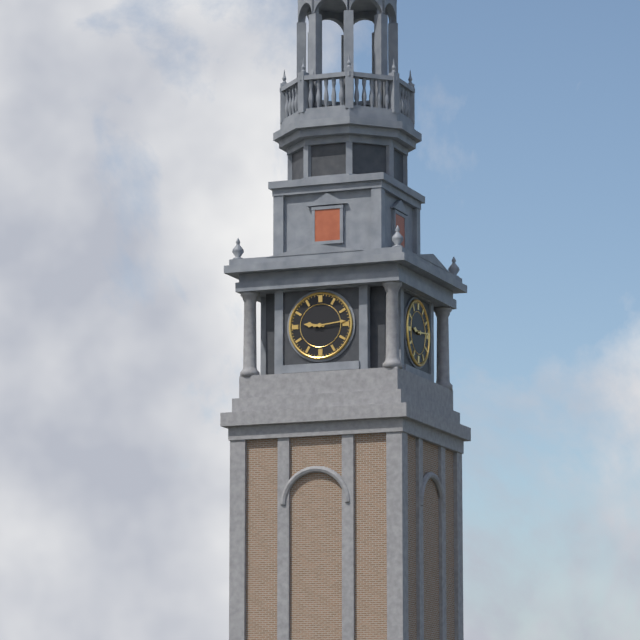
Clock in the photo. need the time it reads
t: 9:14
